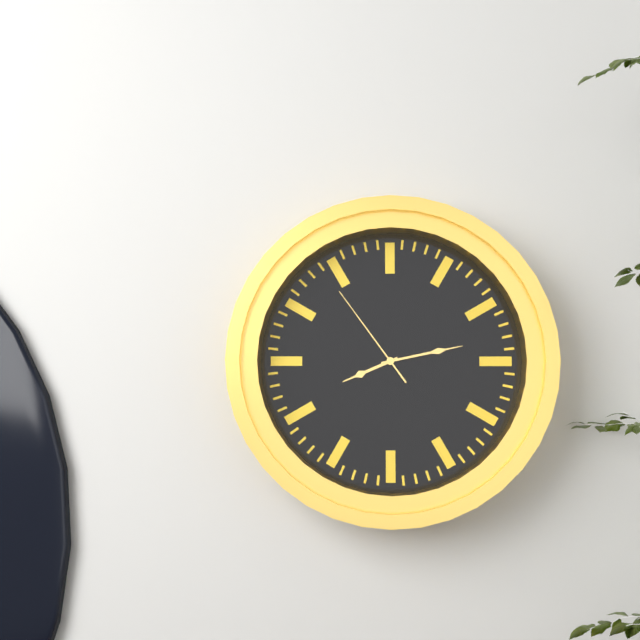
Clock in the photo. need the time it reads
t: 8:13:54
